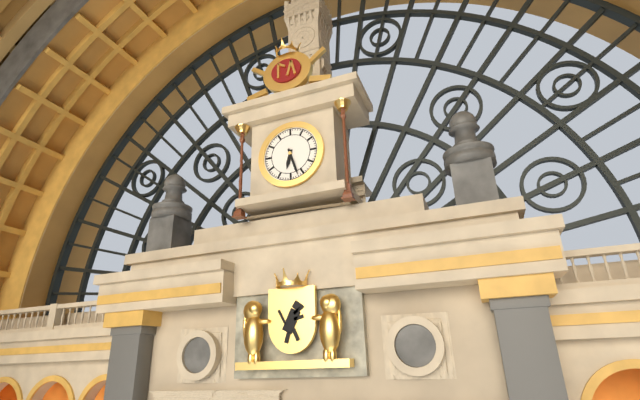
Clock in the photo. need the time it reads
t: 6:27
